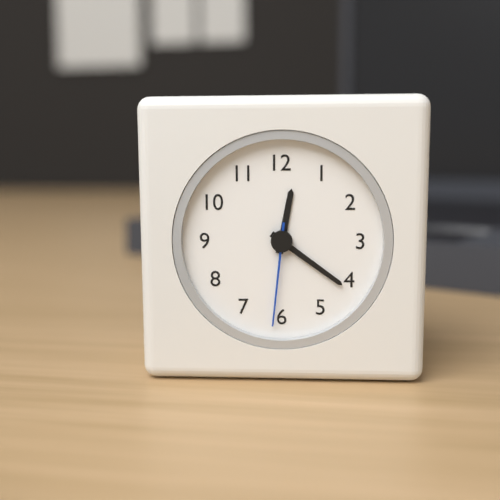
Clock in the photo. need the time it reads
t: 12:21:31
